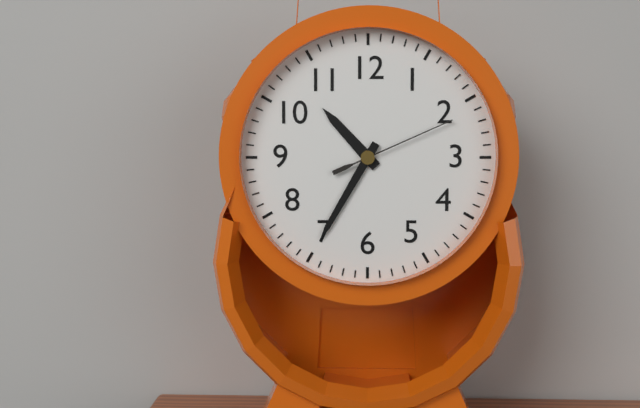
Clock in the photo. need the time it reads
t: 10:35:11
